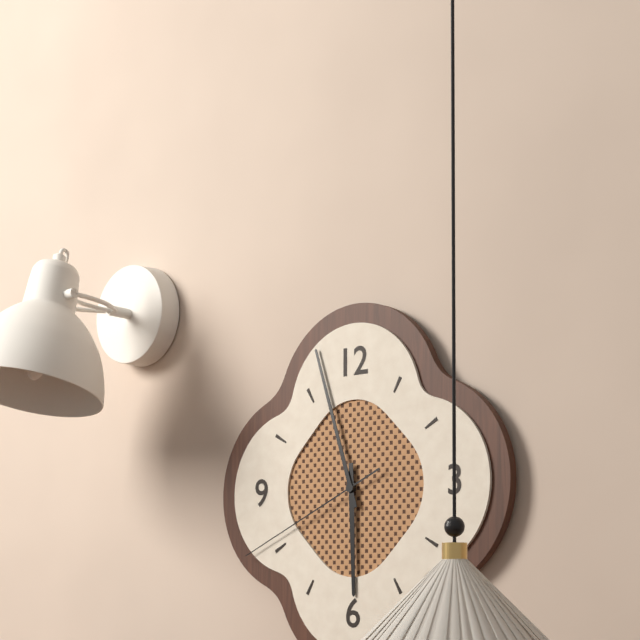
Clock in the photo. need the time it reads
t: 5:57:41
